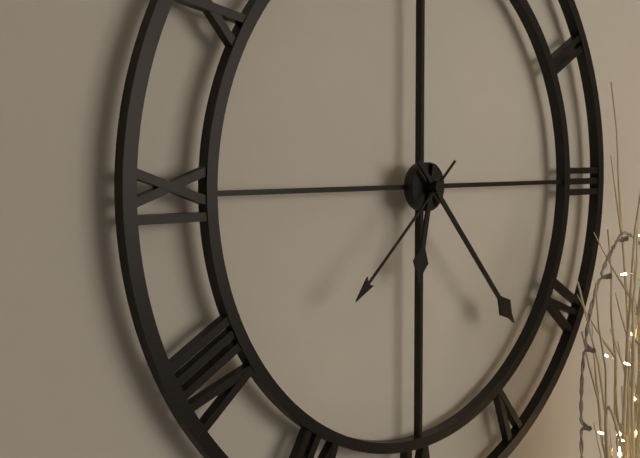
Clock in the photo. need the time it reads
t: 6:23:38
